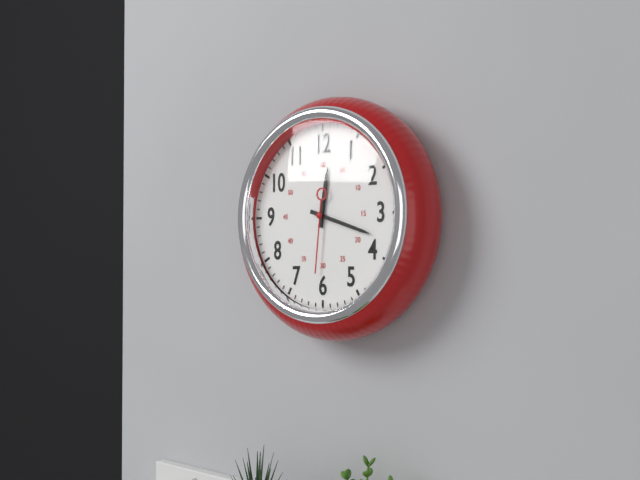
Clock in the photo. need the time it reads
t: 12:18:31
